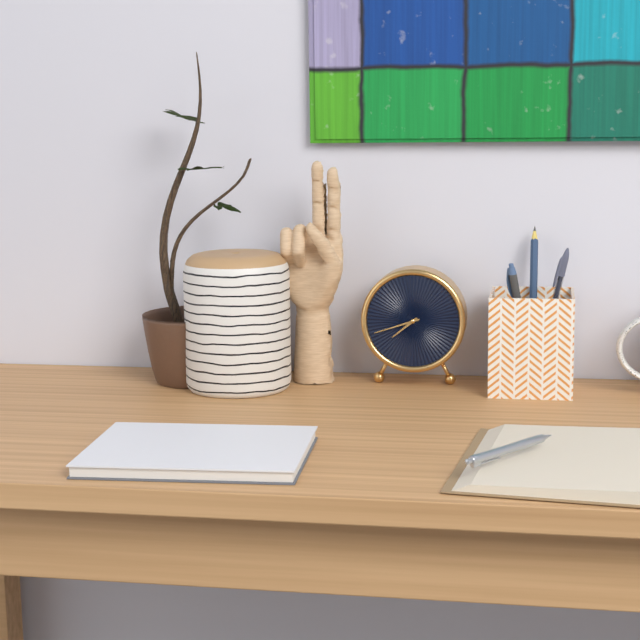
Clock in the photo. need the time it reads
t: 7:42
